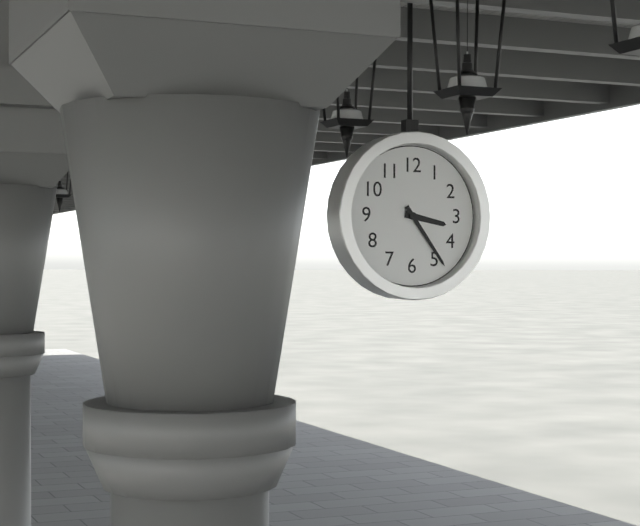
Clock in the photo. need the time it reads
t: 3:24
